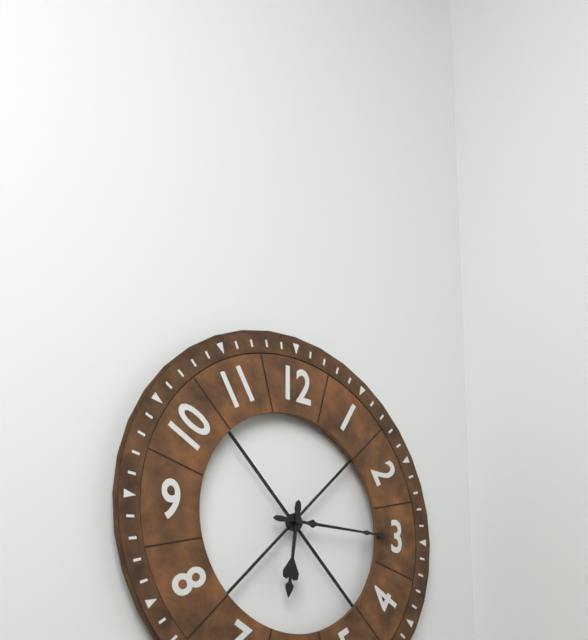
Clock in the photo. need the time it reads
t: 6:15
